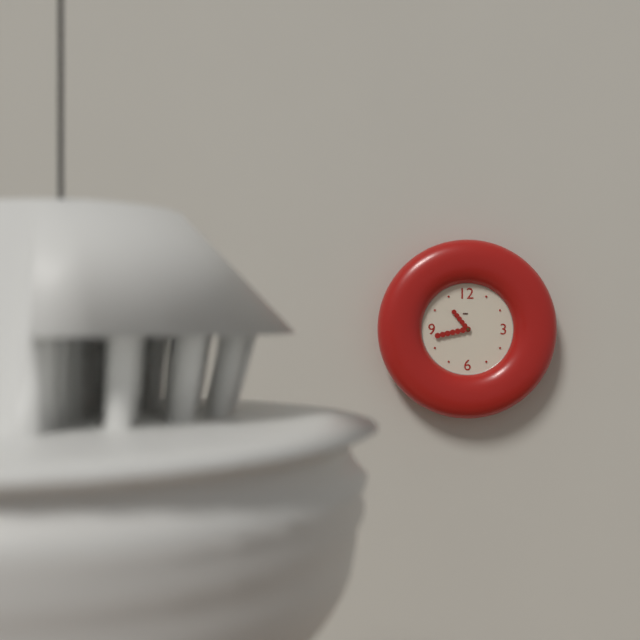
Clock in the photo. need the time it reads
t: 10:43
